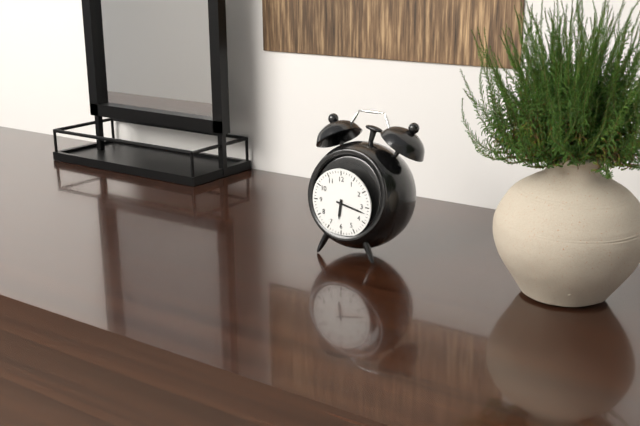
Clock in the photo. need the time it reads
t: 6:17
